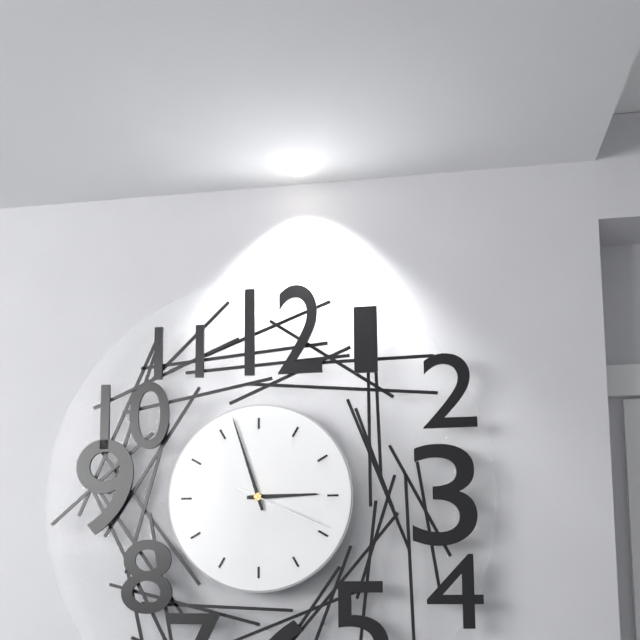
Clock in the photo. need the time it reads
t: 2:57:19
